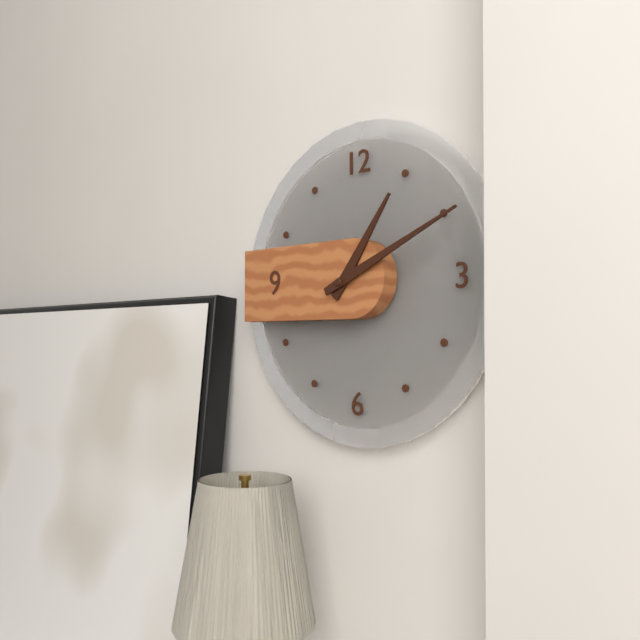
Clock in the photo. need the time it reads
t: 1:11
